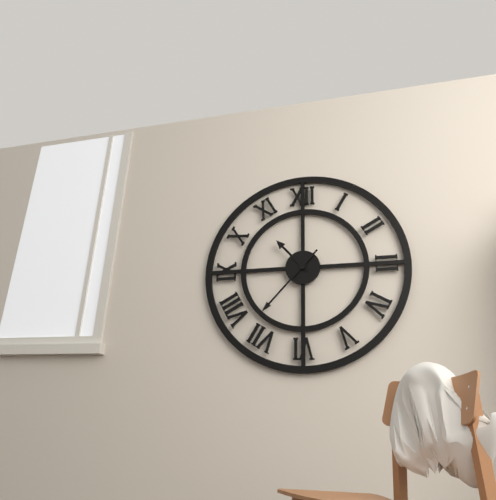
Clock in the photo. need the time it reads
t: 10:37
